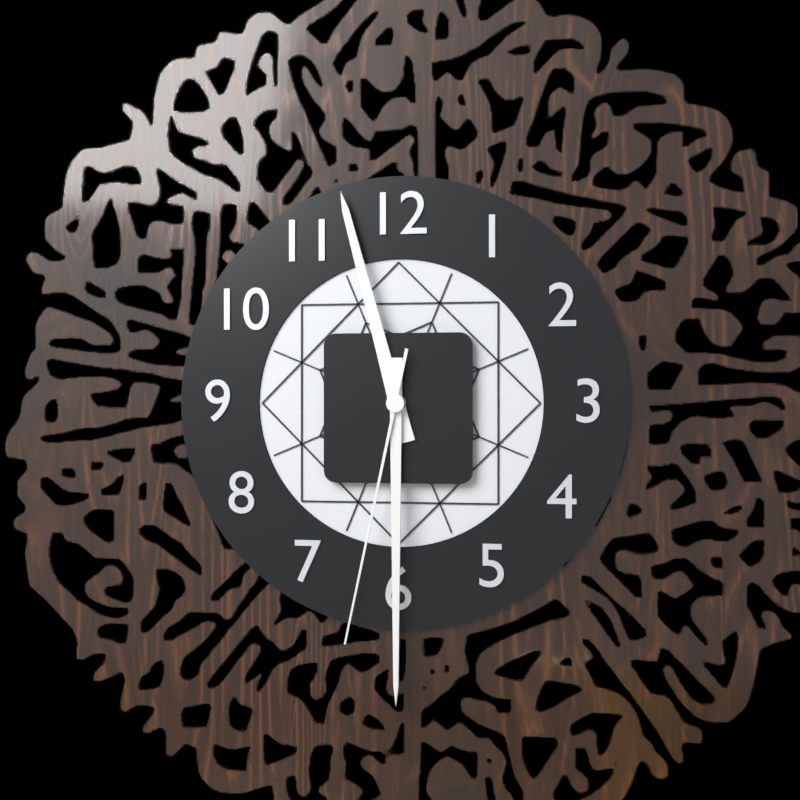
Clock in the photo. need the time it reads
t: 11:30:32
